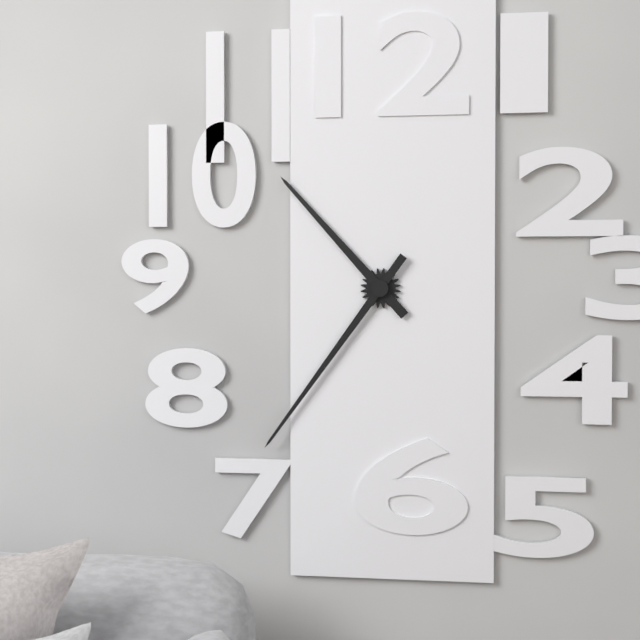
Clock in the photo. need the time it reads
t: 10:36
